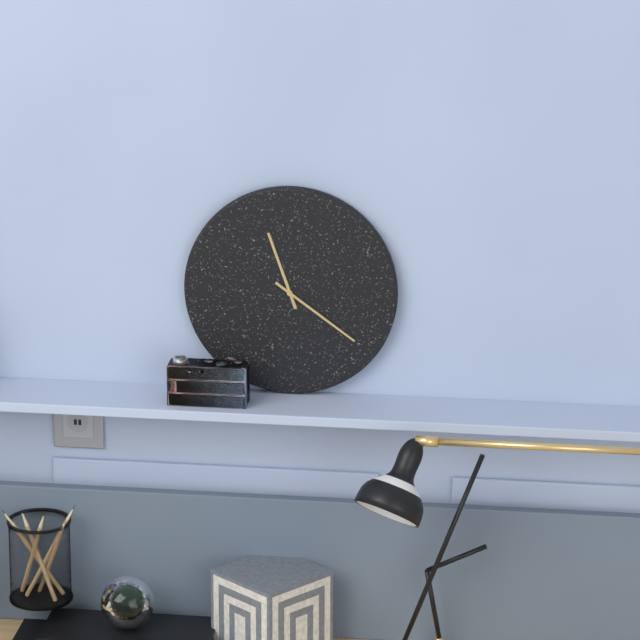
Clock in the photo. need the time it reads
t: 11:21
